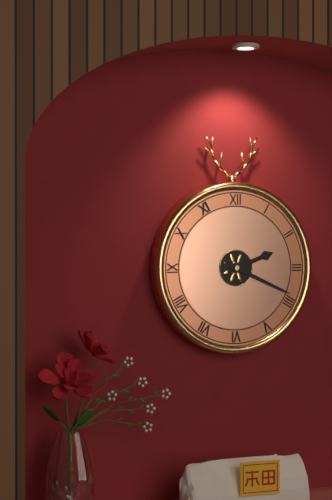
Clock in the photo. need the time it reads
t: 2:19
